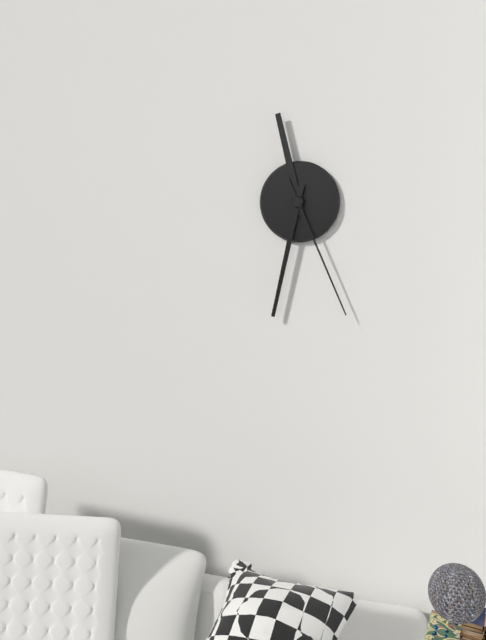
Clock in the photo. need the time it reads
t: 11:32:26
